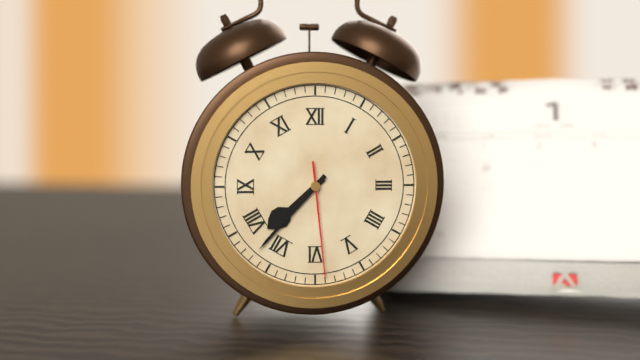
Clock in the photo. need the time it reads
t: 7:37:29
